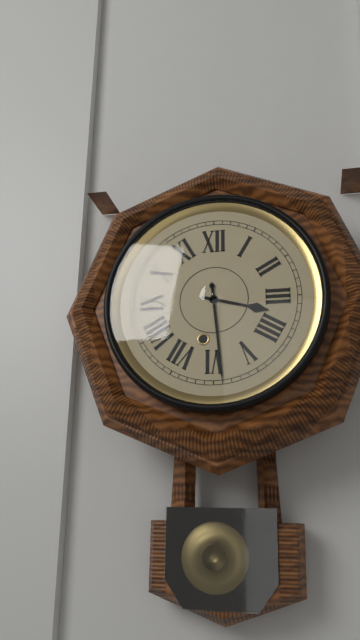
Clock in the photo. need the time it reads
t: 3:29
